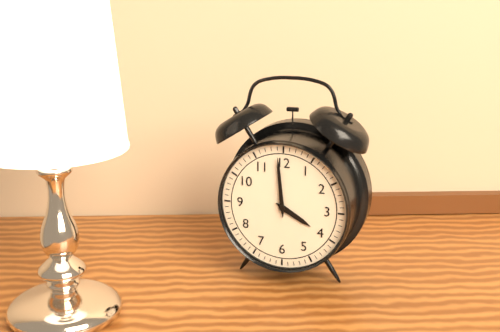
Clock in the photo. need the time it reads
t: 3:59
